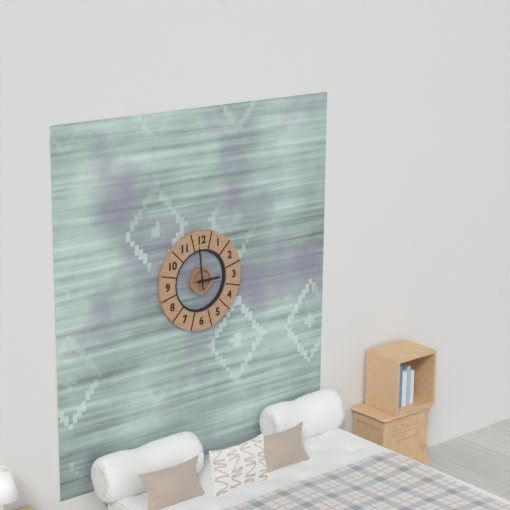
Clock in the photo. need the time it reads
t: 2:59
